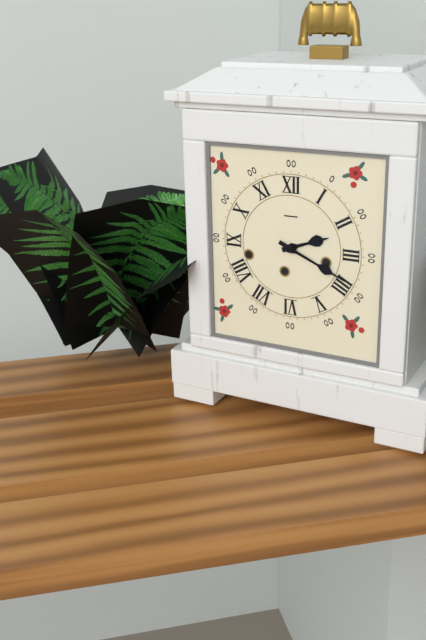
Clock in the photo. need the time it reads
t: 2:19
